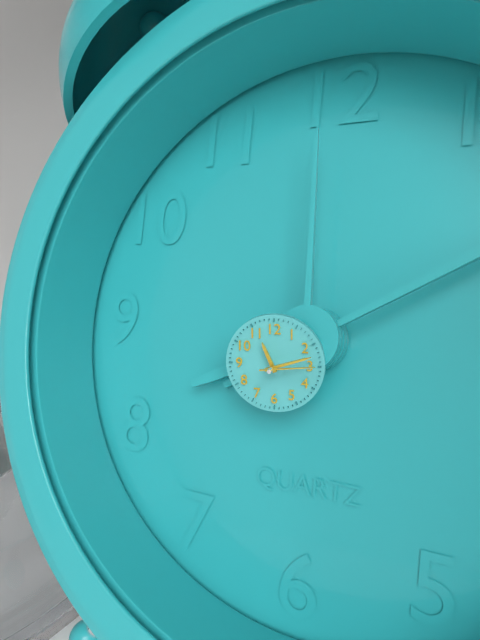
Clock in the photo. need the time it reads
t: 11:12:14
